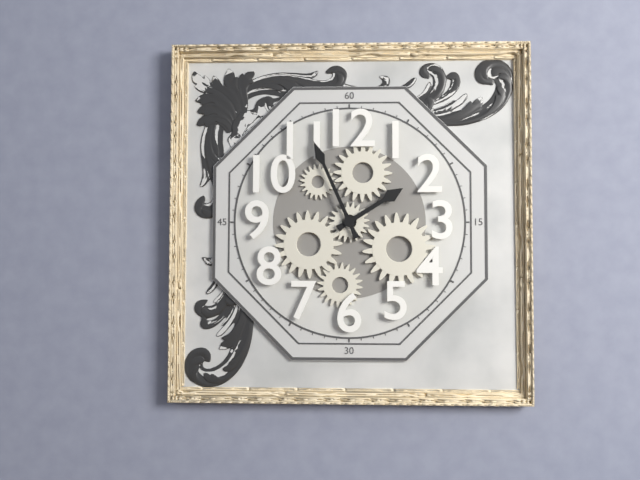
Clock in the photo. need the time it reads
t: 1:56
